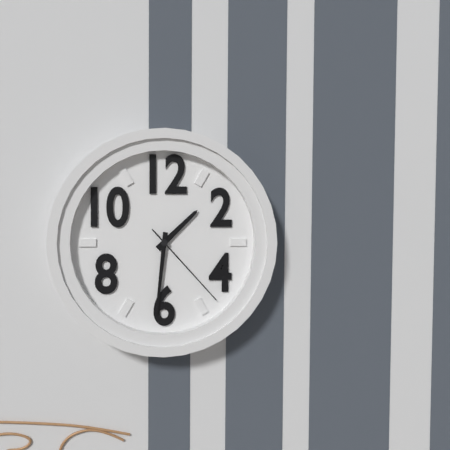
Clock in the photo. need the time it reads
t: 1:31:23
